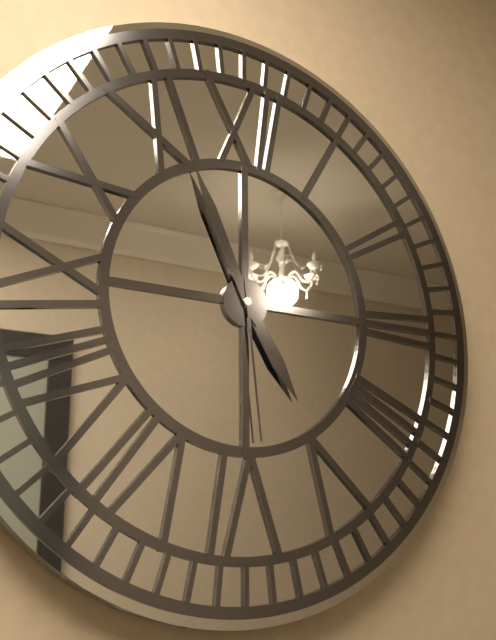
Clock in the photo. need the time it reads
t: 4:56:29
